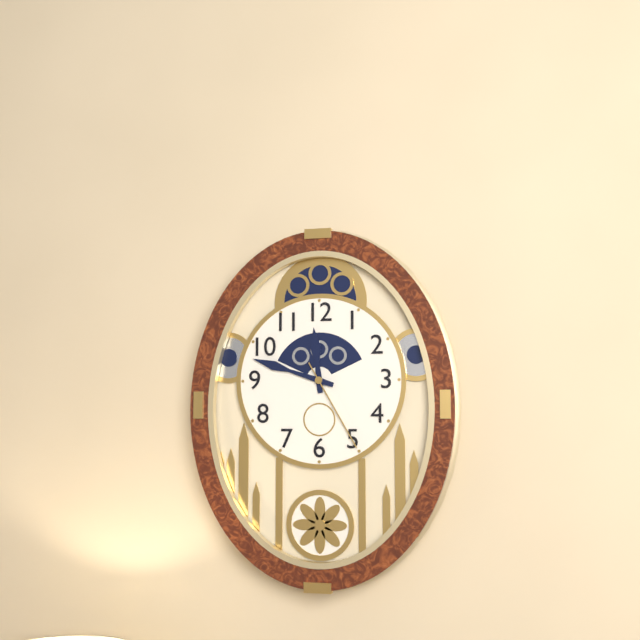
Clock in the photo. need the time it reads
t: 11:48:25
